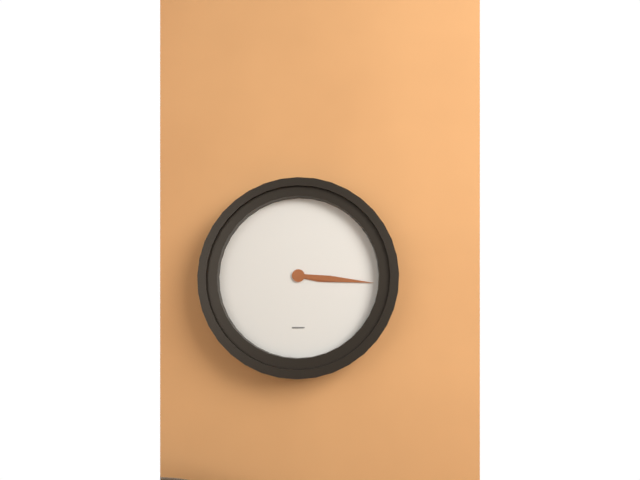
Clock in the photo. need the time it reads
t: 3:16
